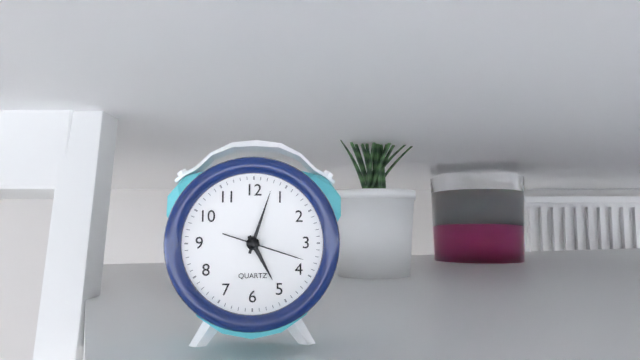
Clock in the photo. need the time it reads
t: 5:03:18
